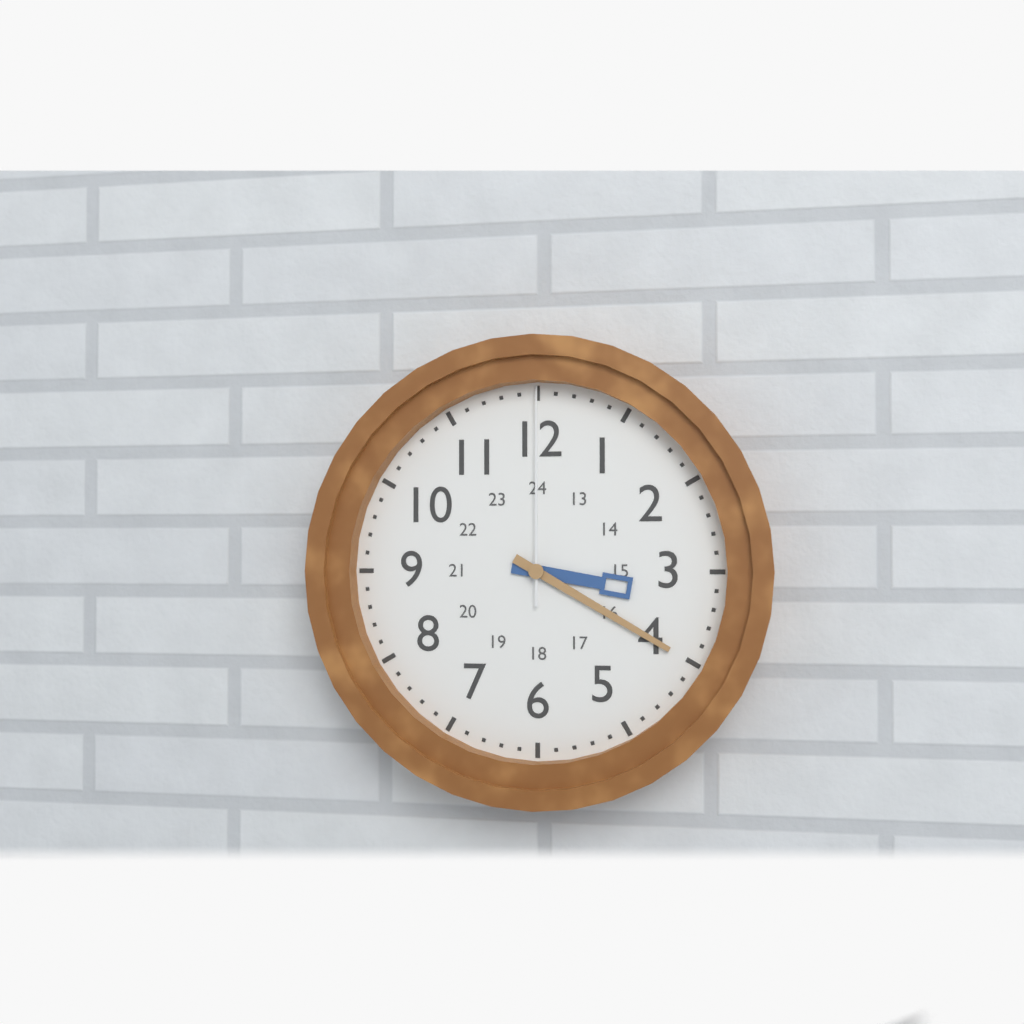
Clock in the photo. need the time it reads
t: 3:20:00
